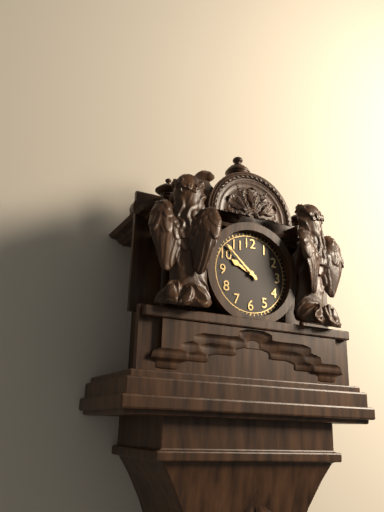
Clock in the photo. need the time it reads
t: 9:52
